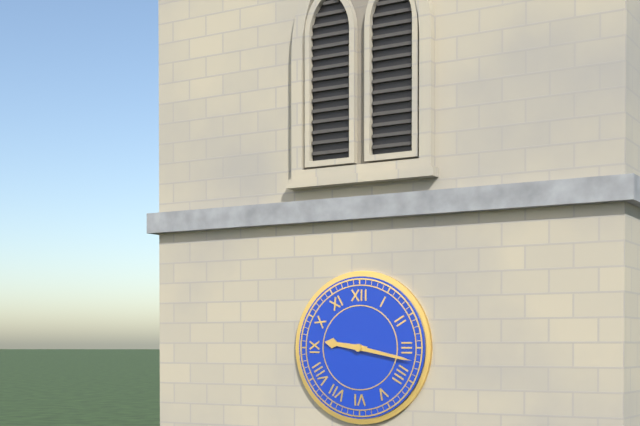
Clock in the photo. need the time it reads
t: 9:17
